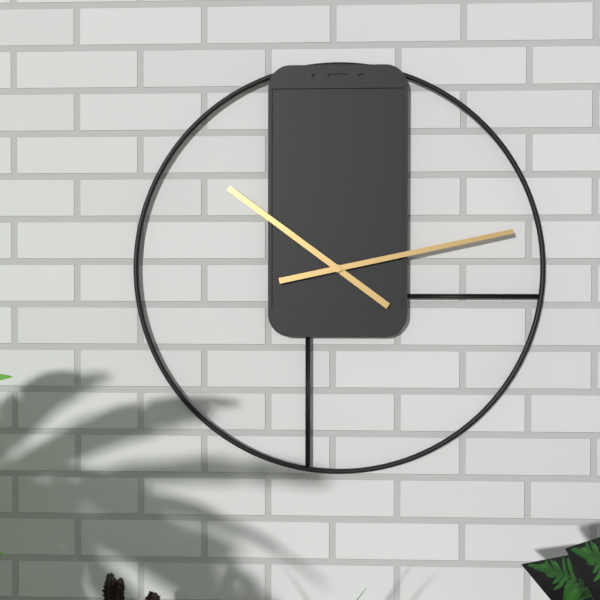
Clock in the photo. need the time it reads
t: 10:13
